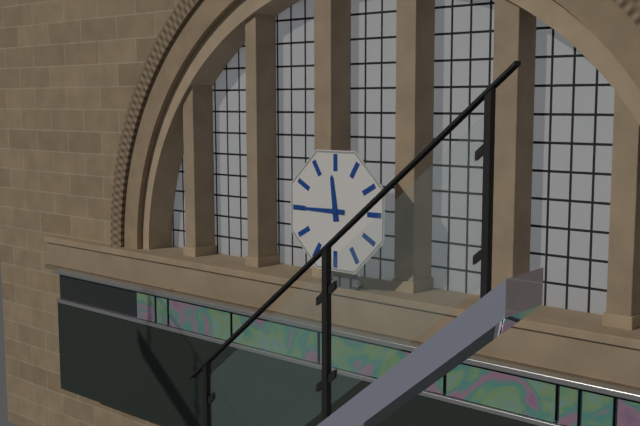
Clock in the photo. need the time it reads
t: 11:45
